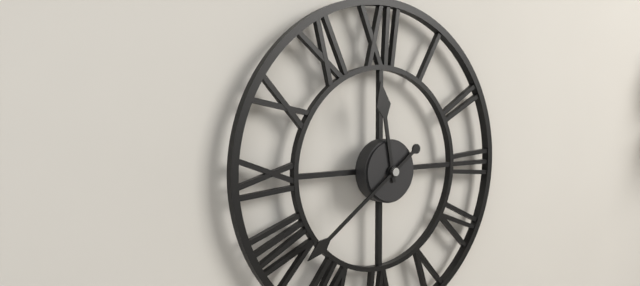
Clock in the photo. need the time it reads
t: 11:39
